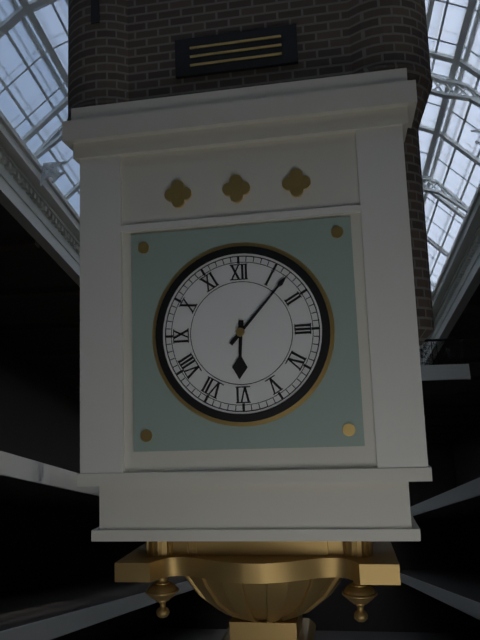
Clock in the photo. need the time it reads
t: 6:07
